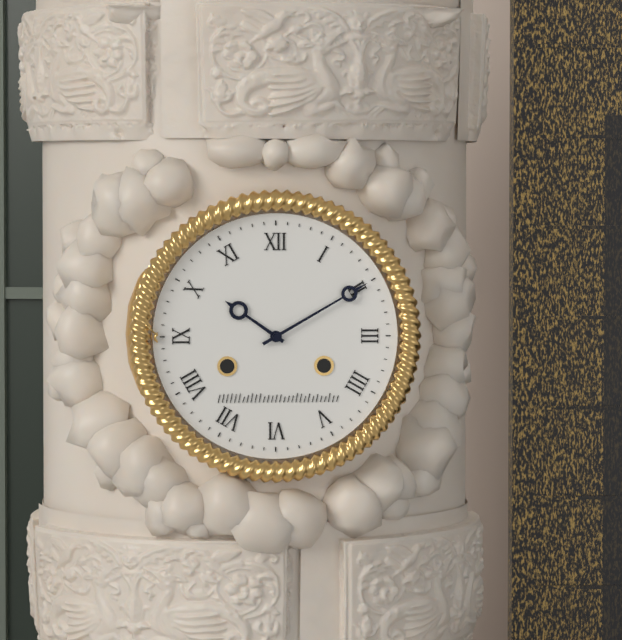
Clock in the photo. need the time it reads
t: 10:10
